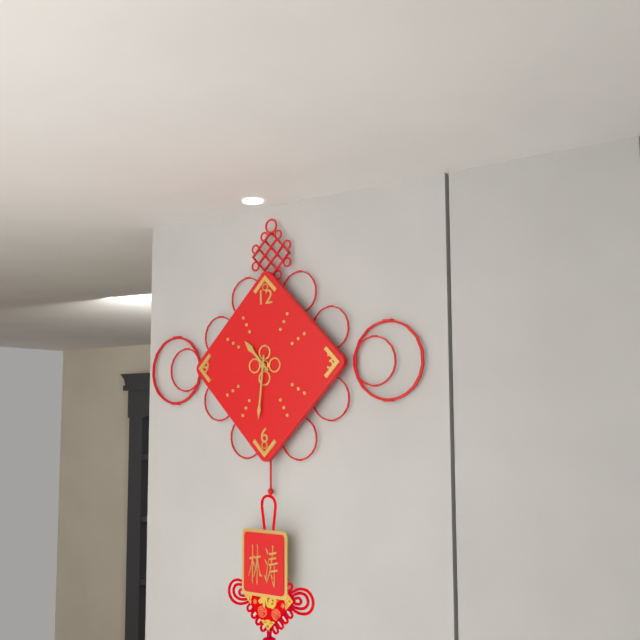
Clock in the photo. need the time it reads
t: 10:31
